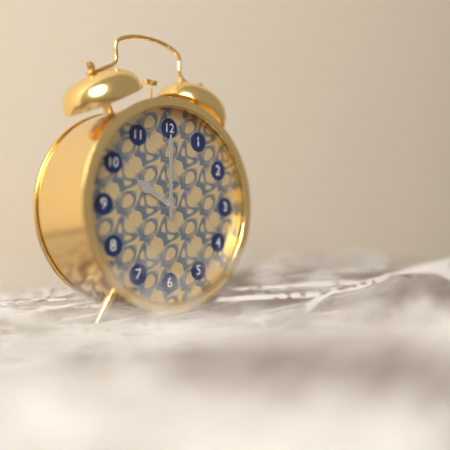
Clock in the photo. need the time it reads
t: 10:00
